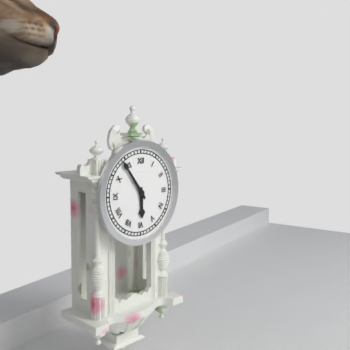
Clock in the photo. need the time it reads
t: 5:54
